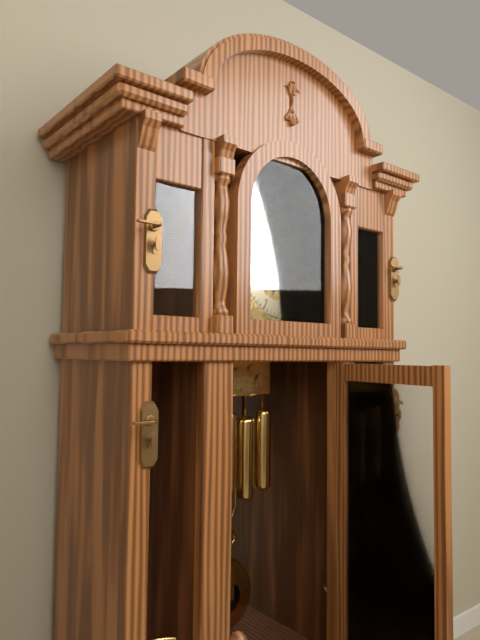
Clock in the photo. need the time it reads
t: 6:44
